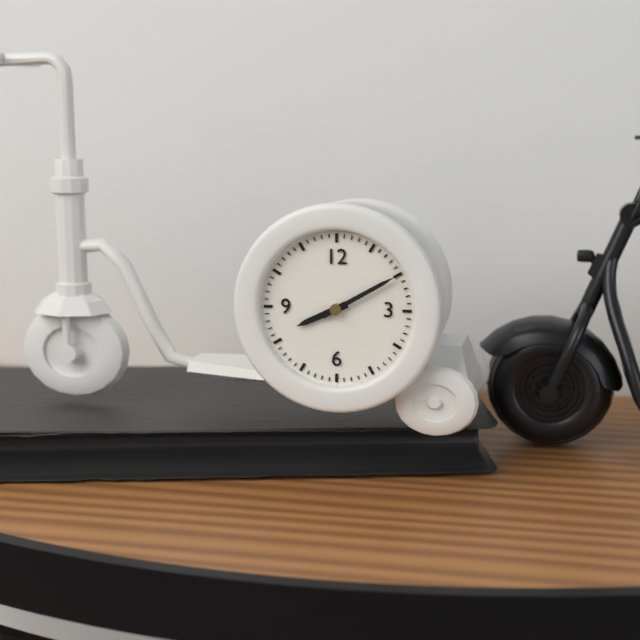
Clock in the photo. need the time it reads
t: 8:10
